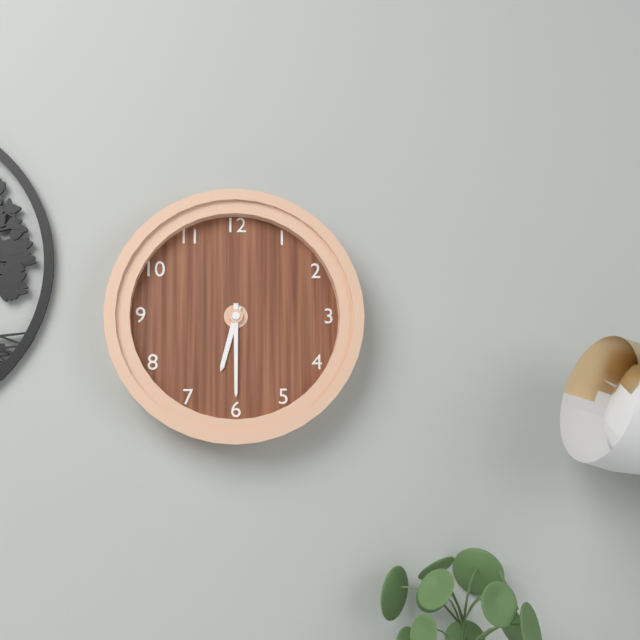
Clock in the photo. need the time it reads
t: 6:30
